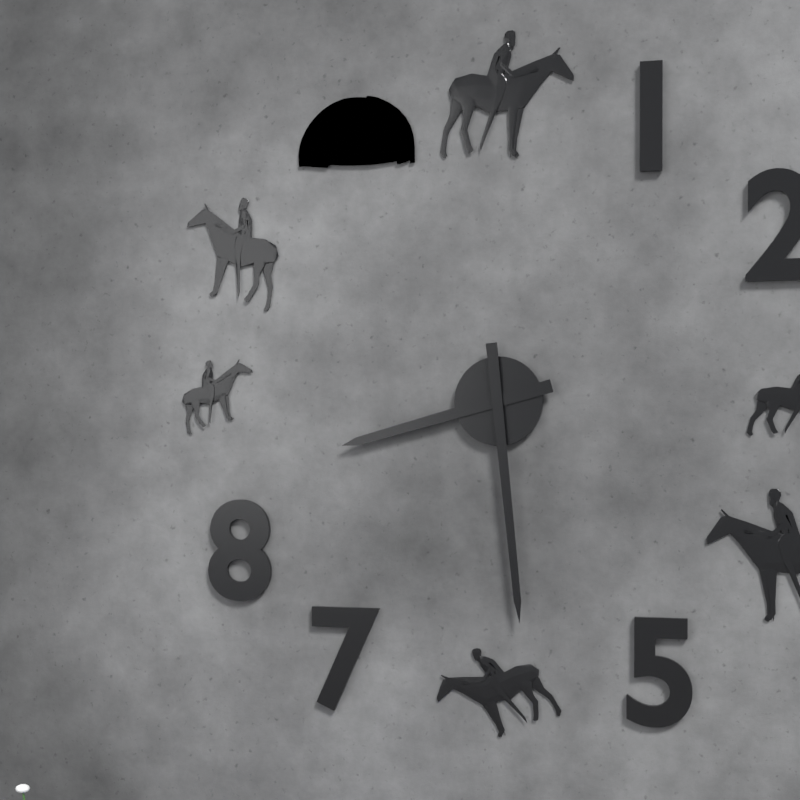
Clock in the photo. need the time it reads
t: 8:29
